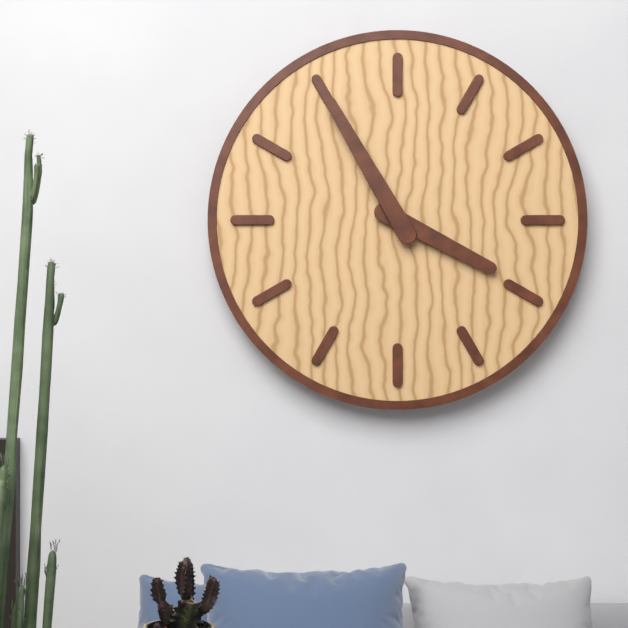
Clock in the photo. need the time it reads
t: 3:55
